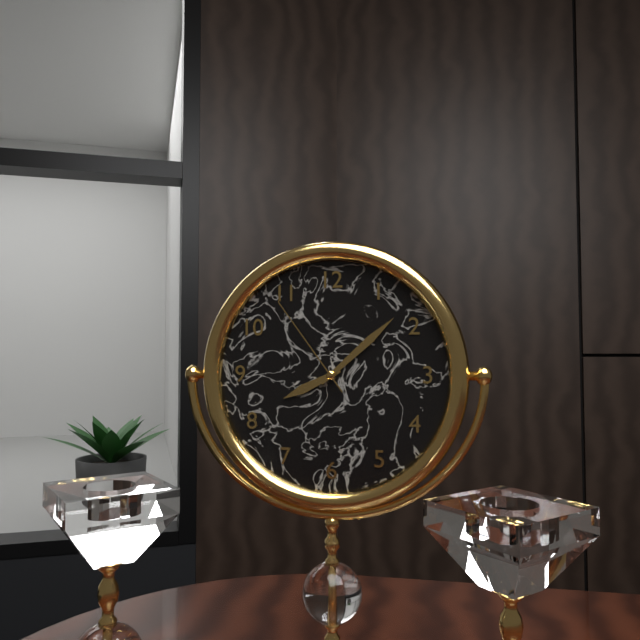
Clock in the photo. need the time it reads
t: 8:08:54
